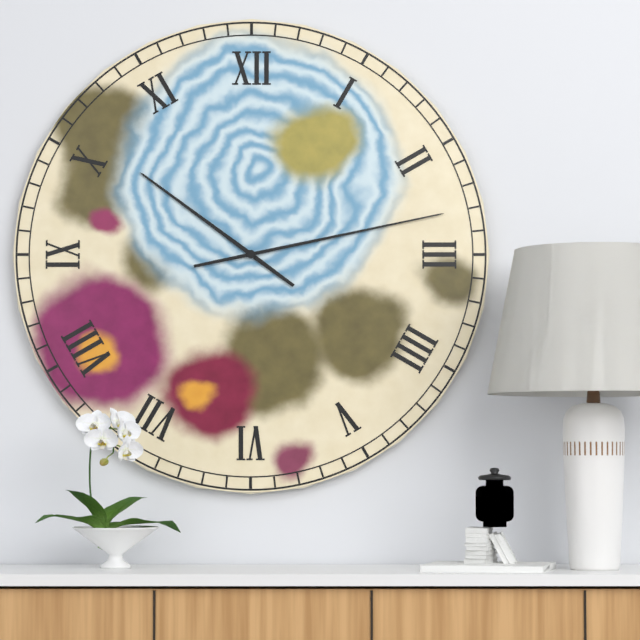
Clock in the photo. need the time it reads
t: 10:13
